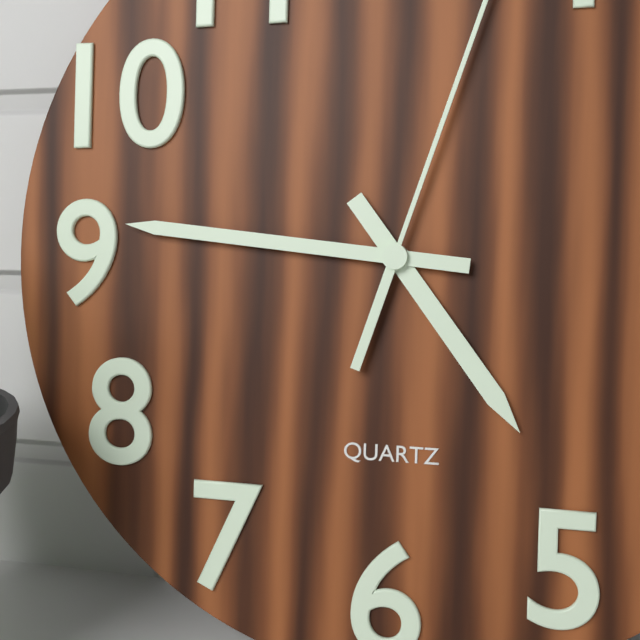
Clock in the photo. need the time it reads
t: 4:46
